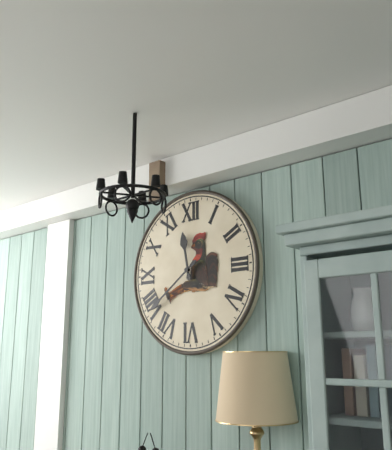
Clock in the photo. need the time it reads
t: 11:39
